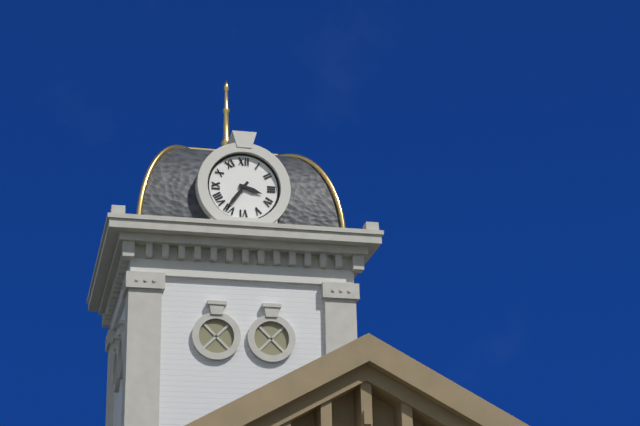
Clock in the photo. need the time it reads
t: 3:36
